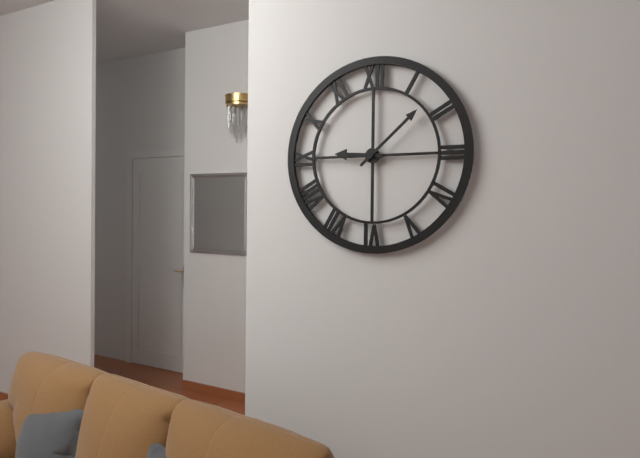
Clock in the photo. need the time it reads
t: 9:08
